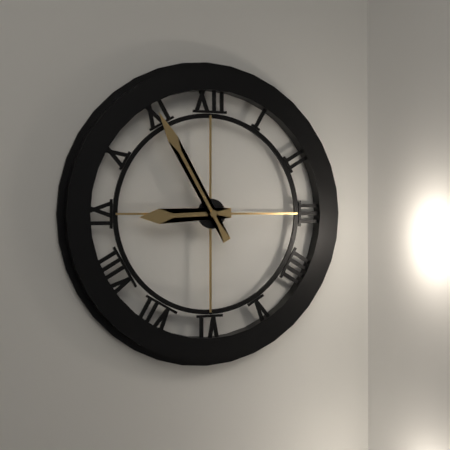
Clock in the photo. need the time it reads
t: 8:55
